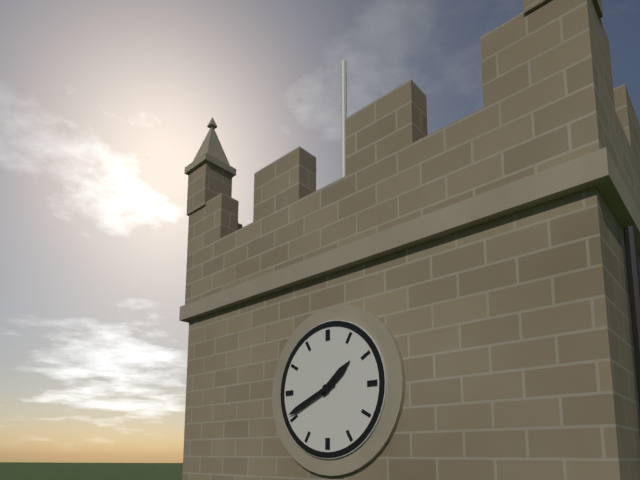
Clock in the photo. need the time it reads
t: 1:41
